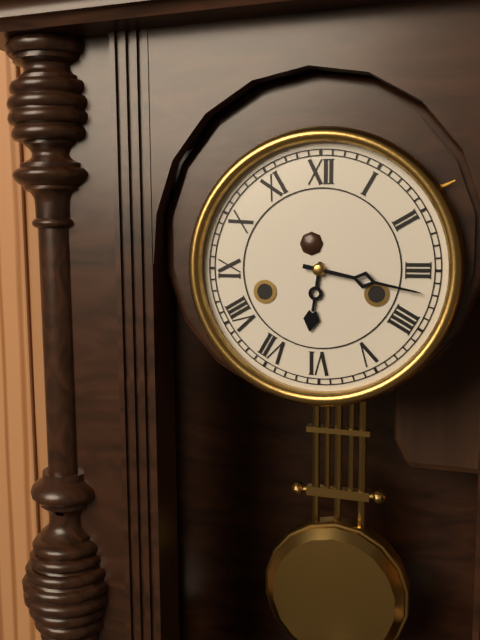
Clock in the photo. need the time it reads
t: 6:17
